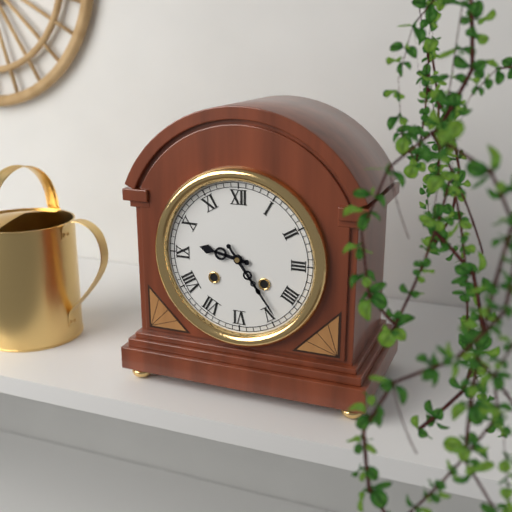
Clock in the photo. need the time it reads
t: 9:24
